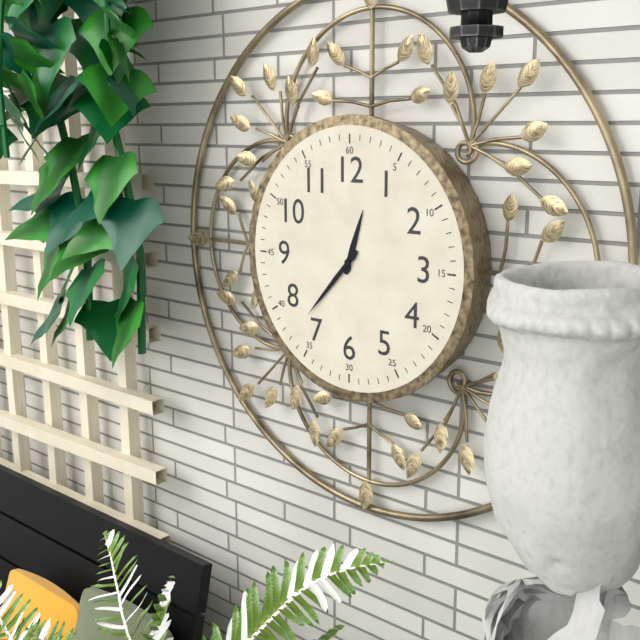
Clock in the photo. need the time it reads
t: 12:37
